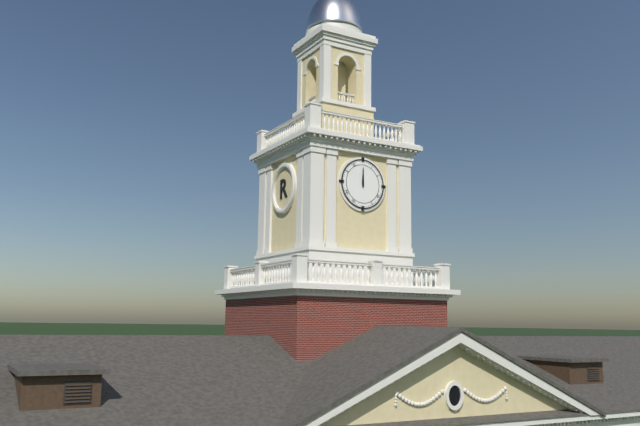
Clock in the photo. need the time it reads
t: 12:00
